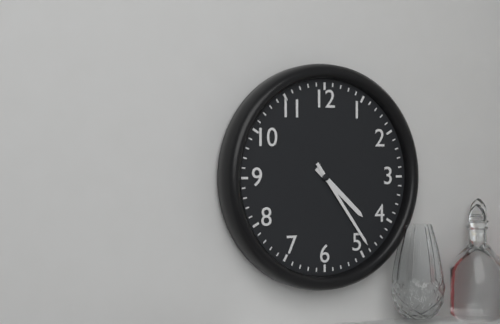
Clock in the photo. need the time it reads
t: 4:24
